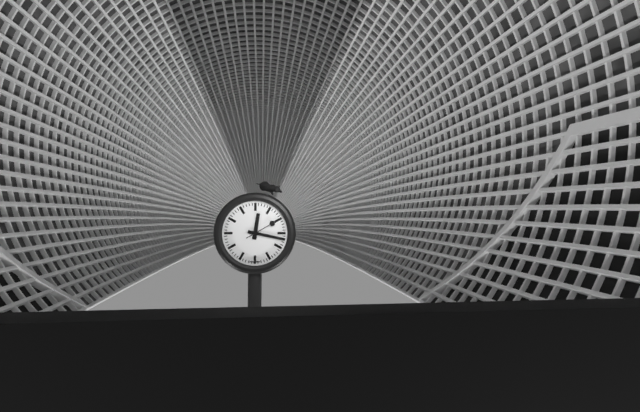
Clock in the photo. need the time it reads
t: 12:17
